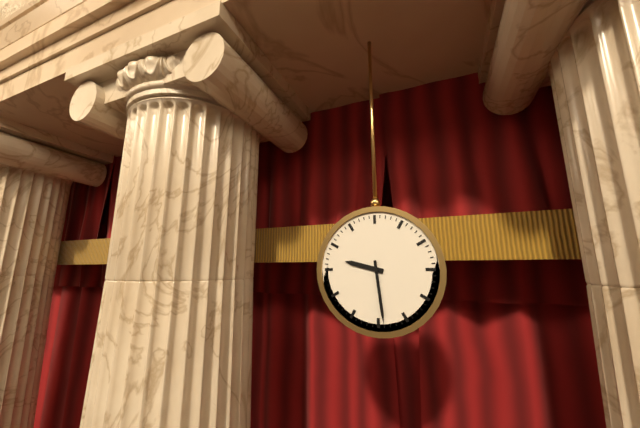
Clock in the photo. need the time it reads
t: 9:29
